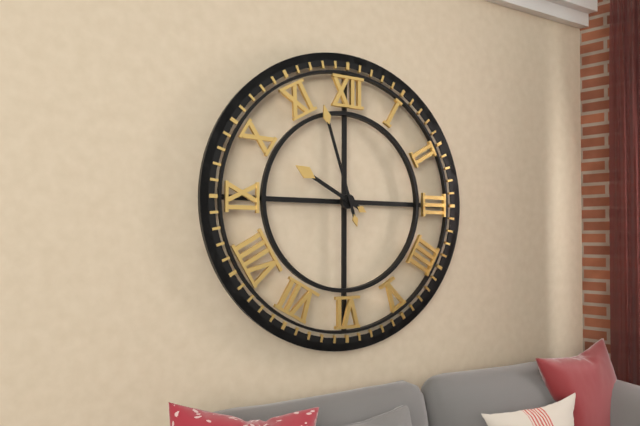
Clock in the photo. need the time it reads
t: 9:57
